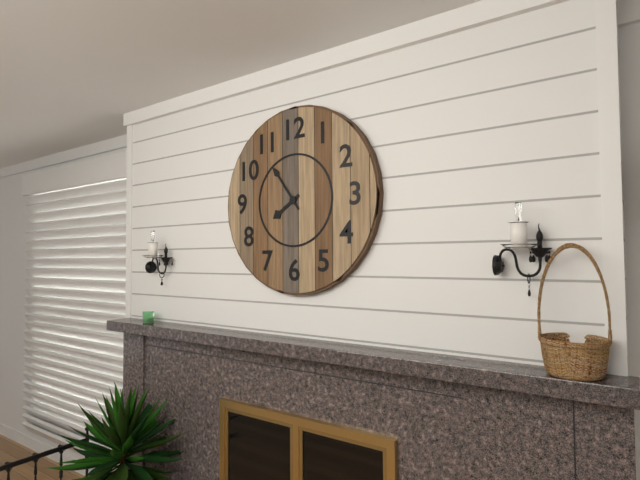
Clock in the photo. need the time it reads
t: 7:54
